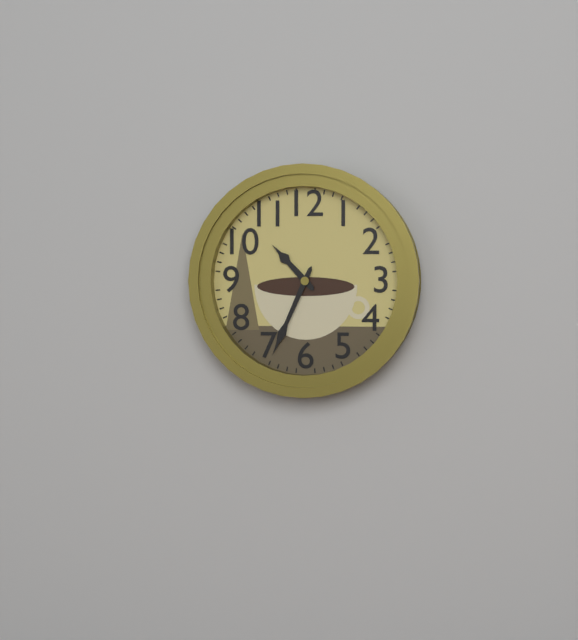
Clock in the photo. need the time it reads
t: 10:34
